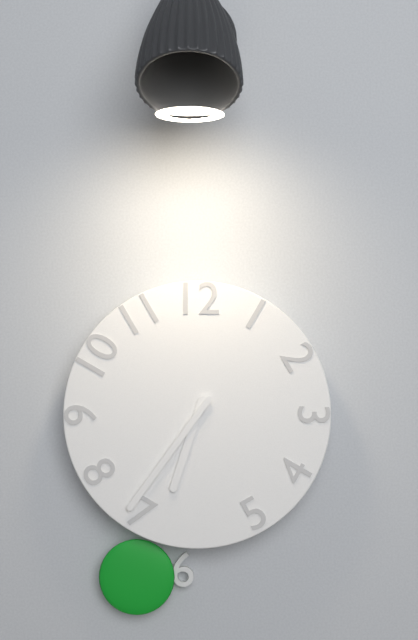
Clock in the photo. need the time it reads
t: 6:36
